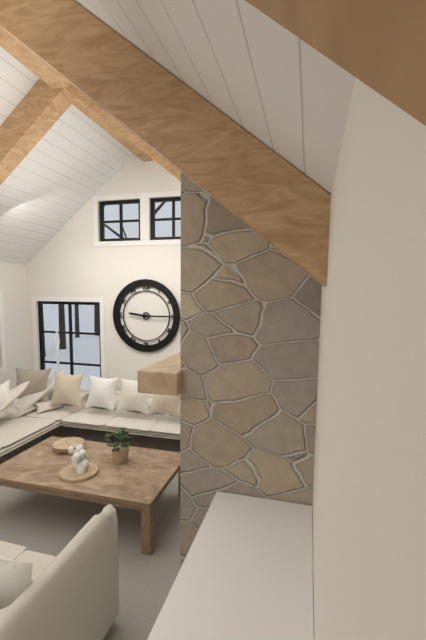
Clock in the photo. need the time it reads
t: 9:15
